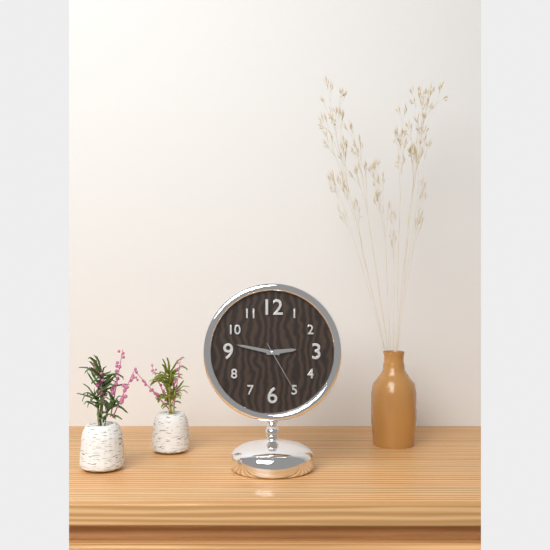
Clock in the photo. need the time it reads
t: 2:47:25
